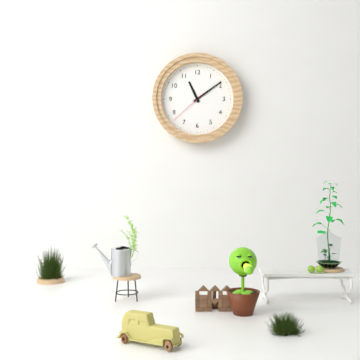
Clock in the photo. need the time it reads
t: 11:09
